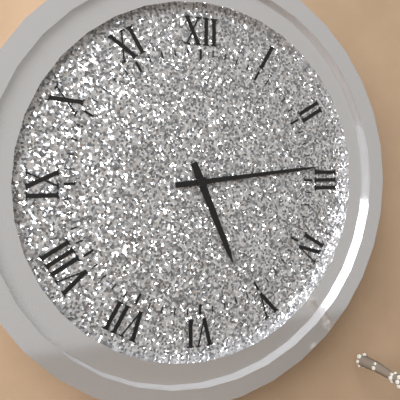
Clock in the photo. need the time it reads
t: 5:14
